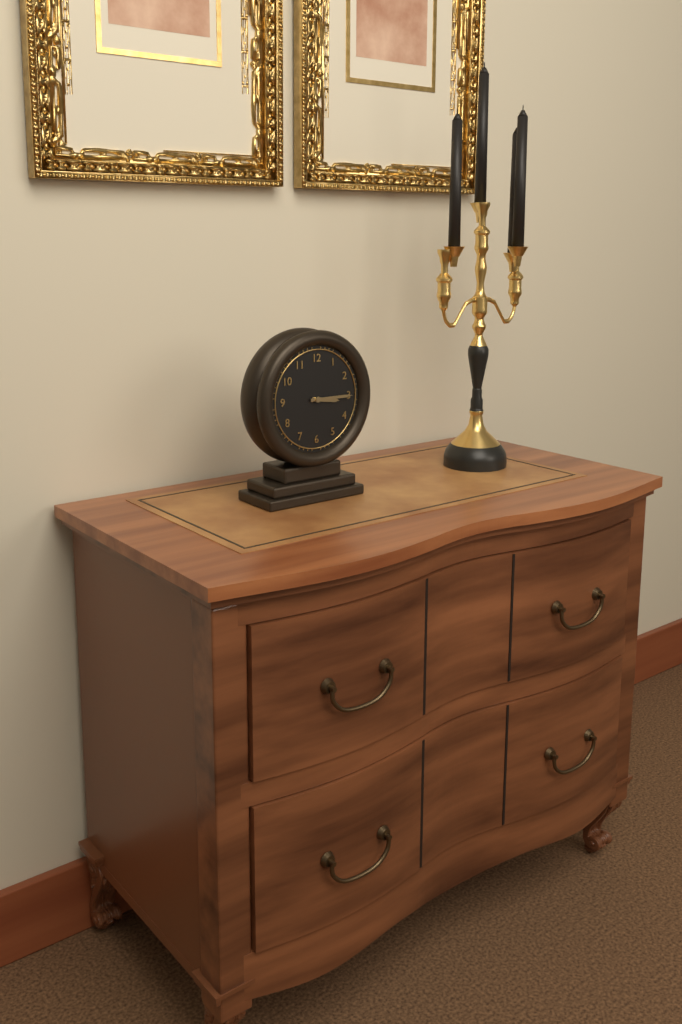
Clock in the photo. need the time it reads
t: 3:15
